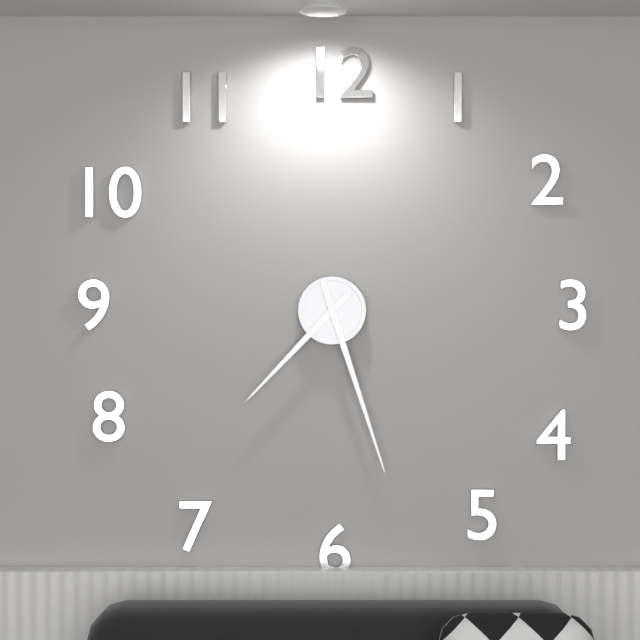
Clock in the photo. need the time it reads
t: 7:27
